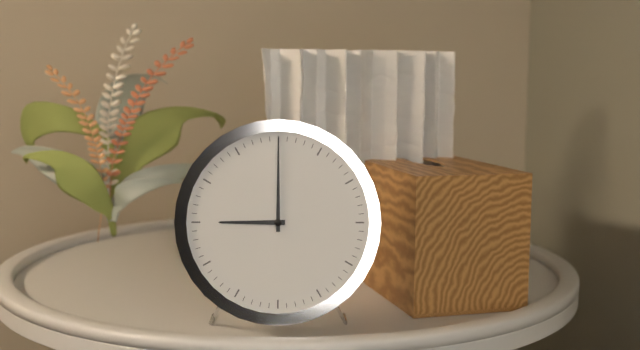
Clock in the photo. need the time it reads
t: 9:00
